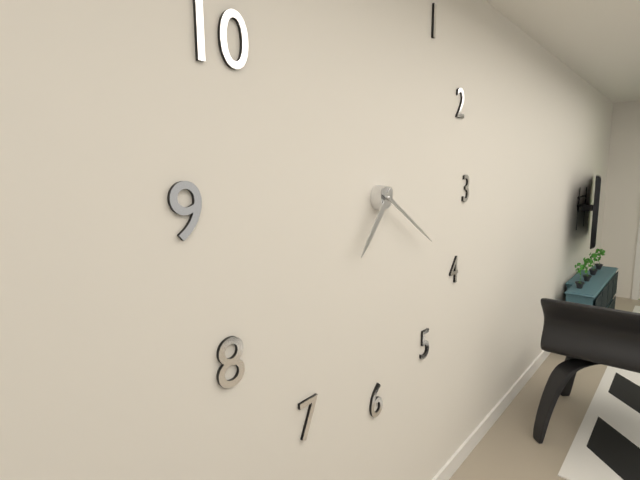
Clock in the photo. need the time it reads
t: 7:20
